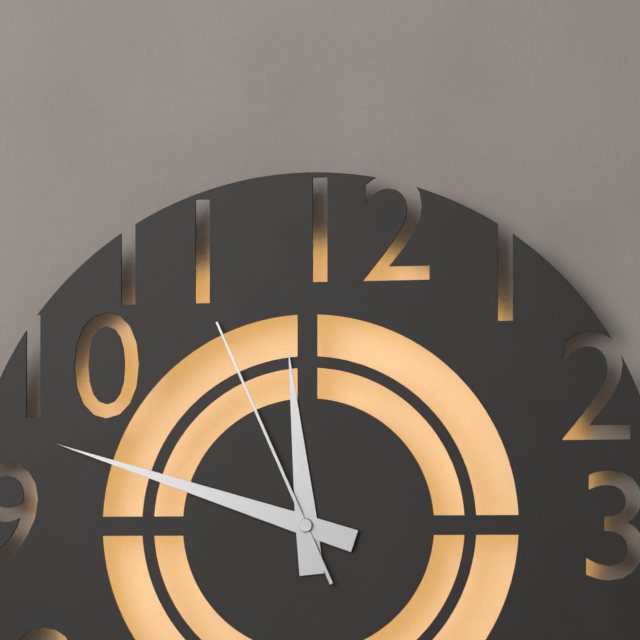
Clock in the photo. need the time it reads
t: 11:48:56
